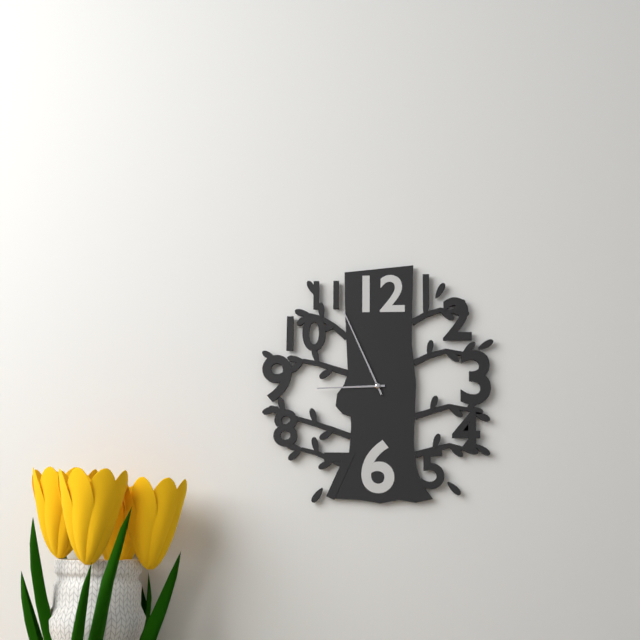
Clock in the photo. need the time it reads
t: 8:56
